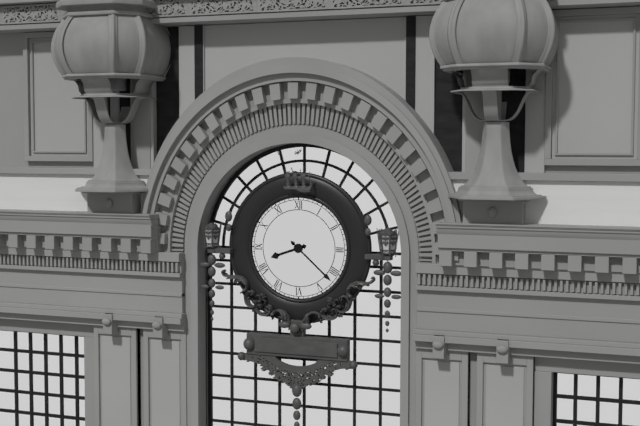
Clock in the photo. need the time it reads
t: 8:22
